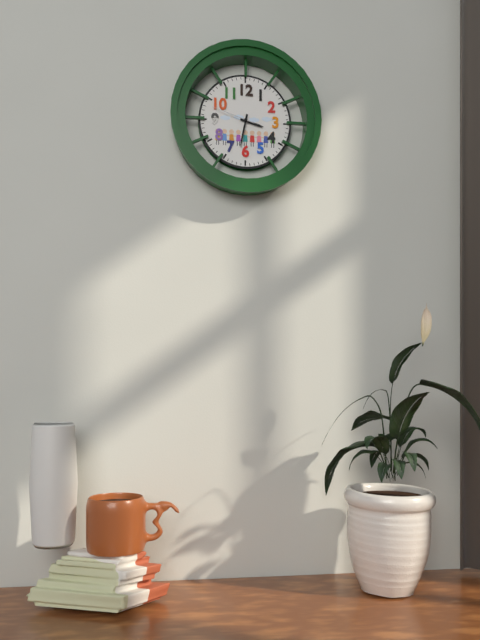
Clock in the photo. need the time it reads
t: 3:32
